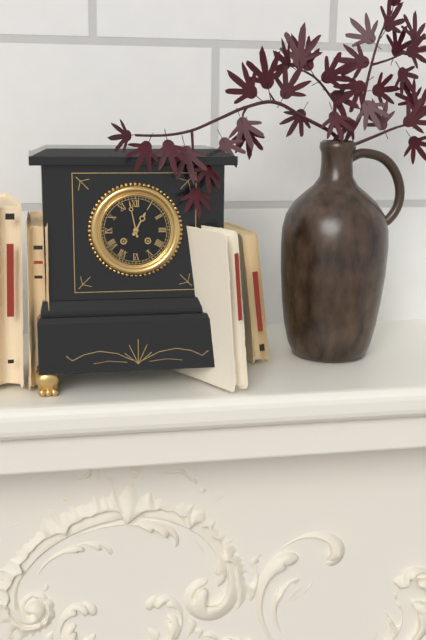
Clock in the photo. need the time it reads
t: 12:58
